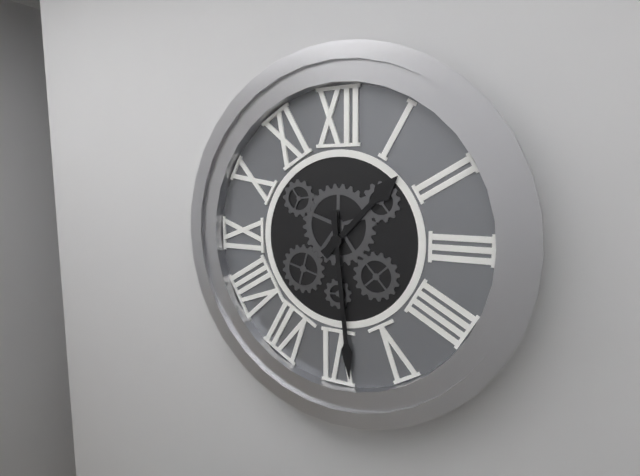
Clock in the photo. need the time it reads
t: 1:29
